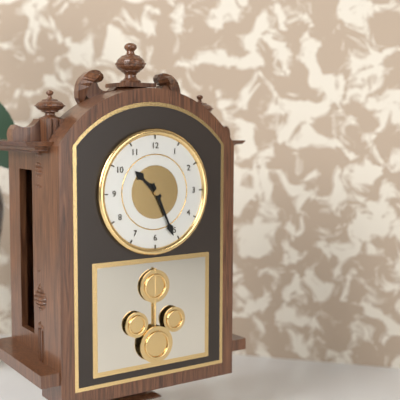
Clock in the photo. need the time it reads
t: 10:26
